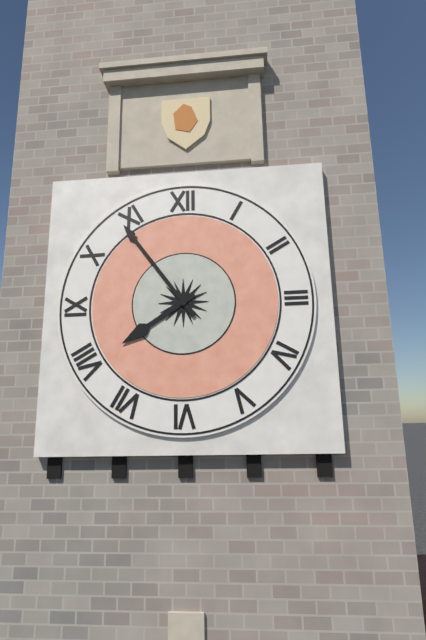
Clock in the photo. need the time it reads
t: 7:54
